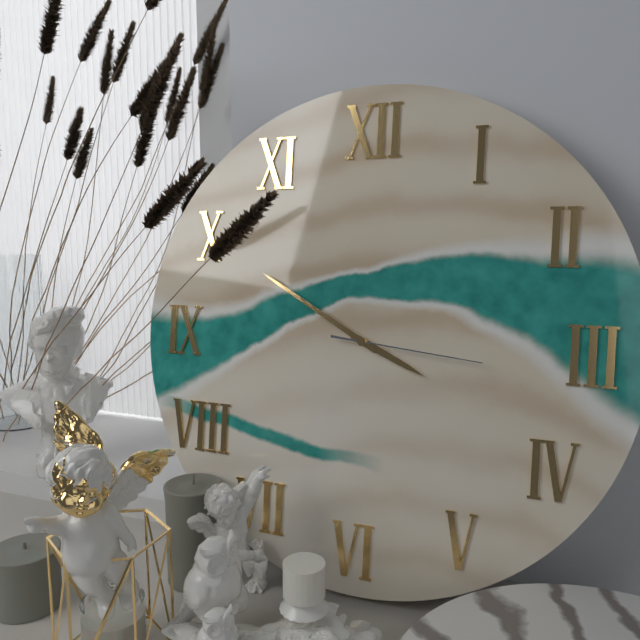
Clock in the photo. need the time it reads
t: 3:50:16
